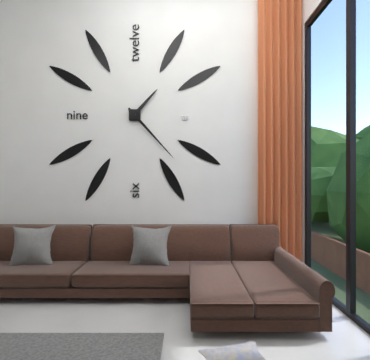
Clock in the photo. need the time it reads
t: 1:23
